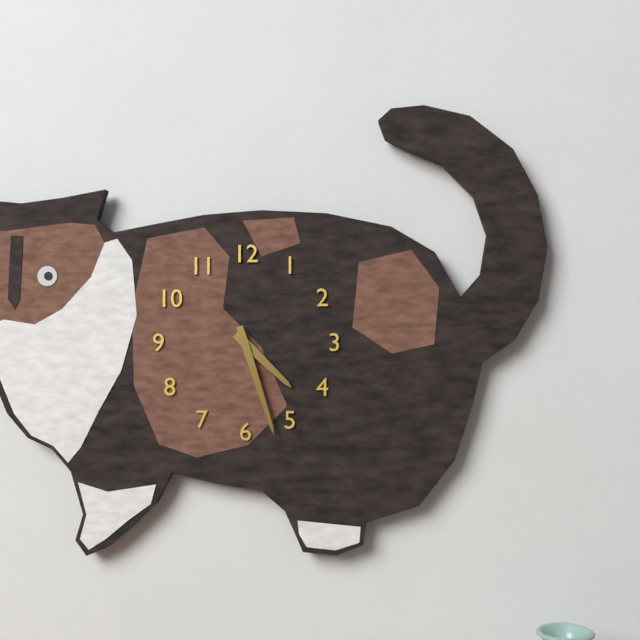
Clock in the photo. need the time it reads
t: 4:27
